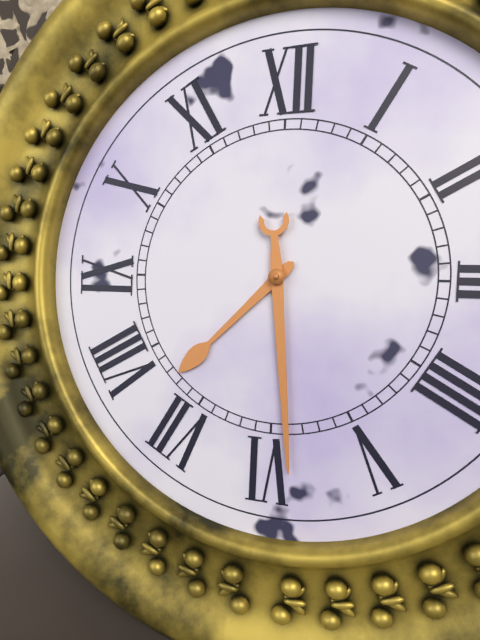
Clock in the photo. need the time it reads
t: 7:29
